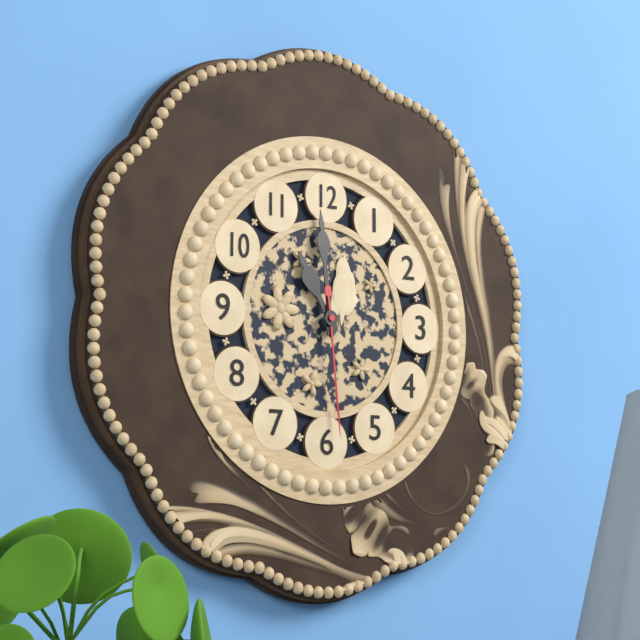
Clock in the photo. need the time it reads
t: 10:59:29
